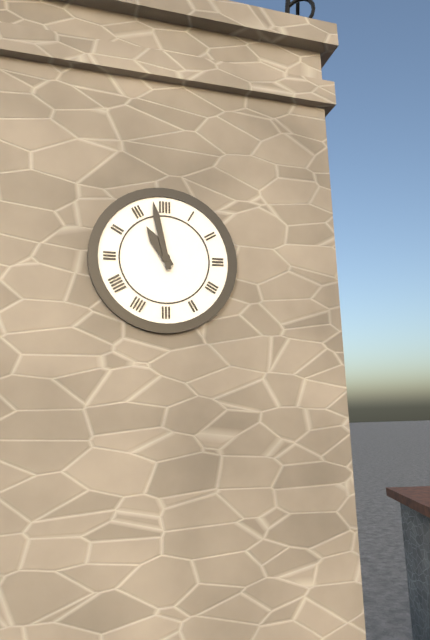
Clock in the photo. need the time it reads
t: 10:58
